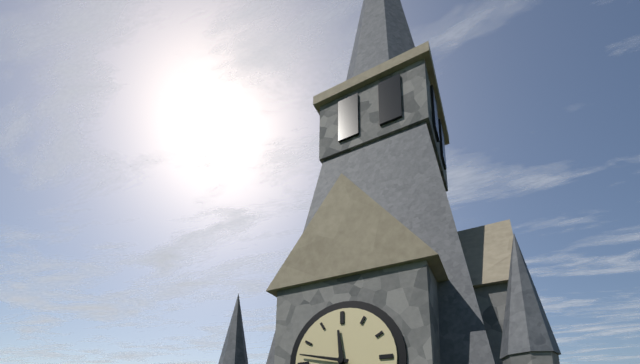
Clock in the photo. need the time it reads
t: 11:47
